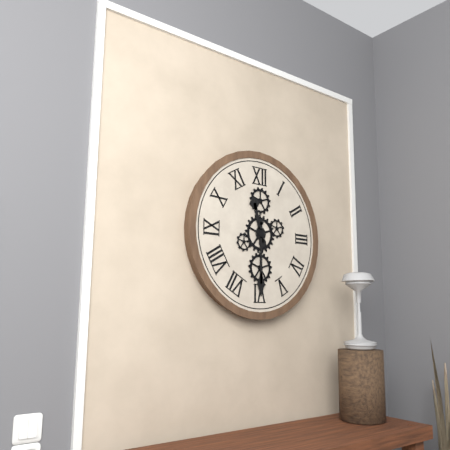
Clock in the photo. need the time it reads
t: 11:30
